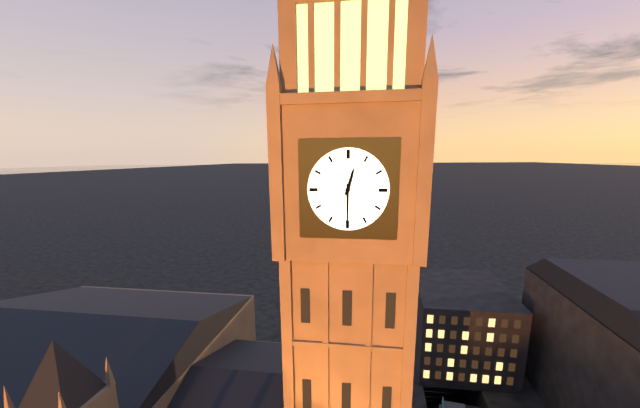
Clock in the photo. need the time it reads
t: 12:30
